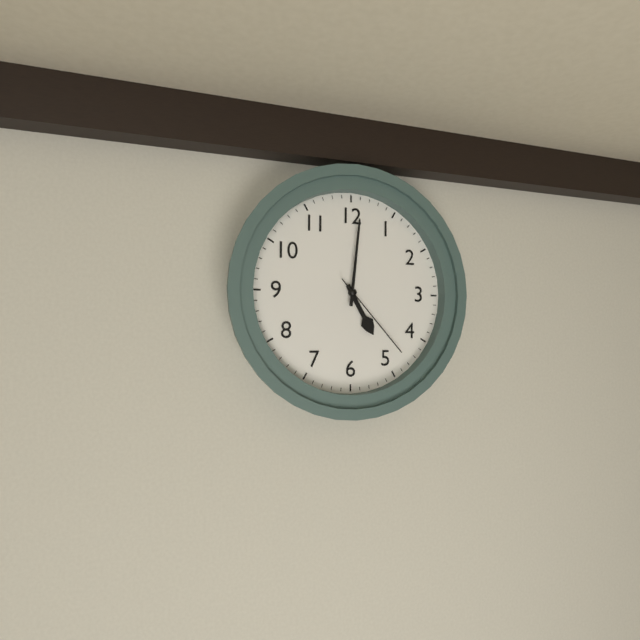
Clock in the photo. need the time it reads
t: 5:01:23
